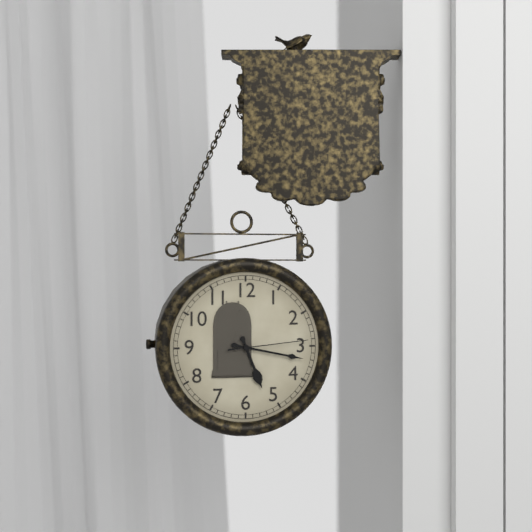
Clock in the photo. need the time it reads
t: 5:17:14
